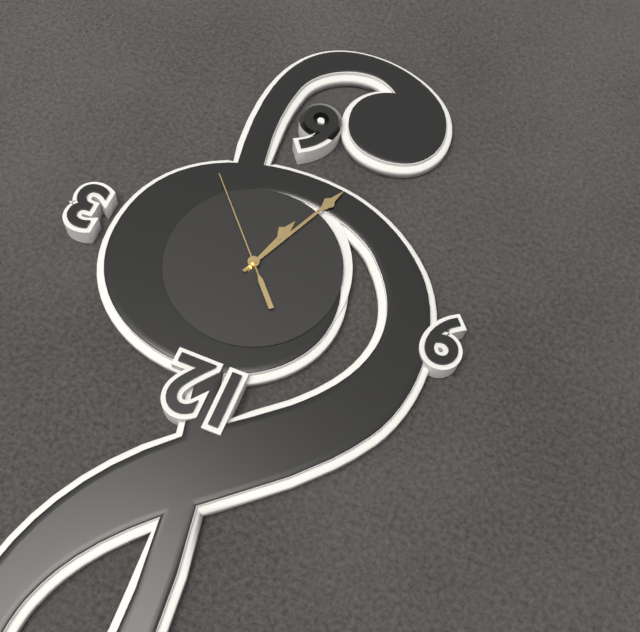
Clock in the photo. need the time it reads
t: 6:34:23
